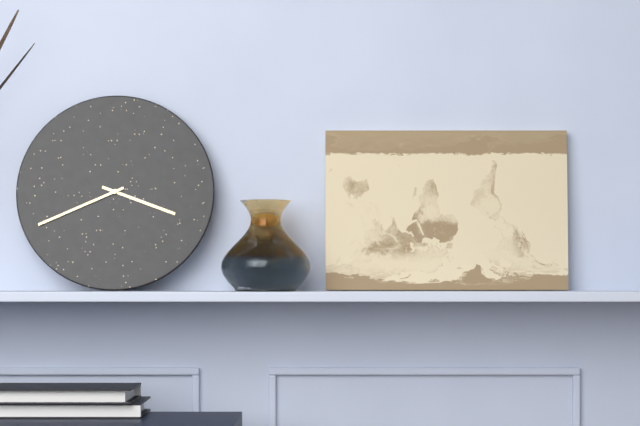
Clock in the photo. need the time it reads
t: 3:41
